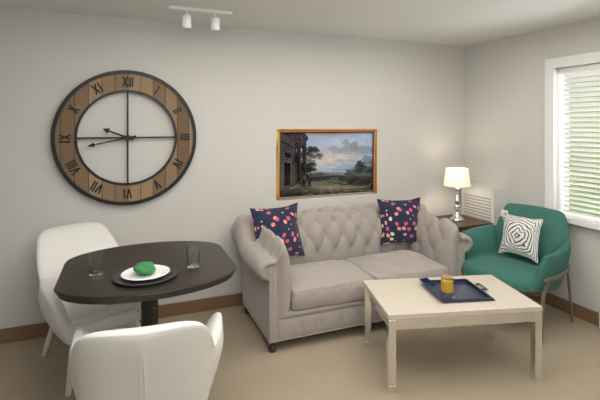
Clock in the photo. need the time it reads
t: 9:43
